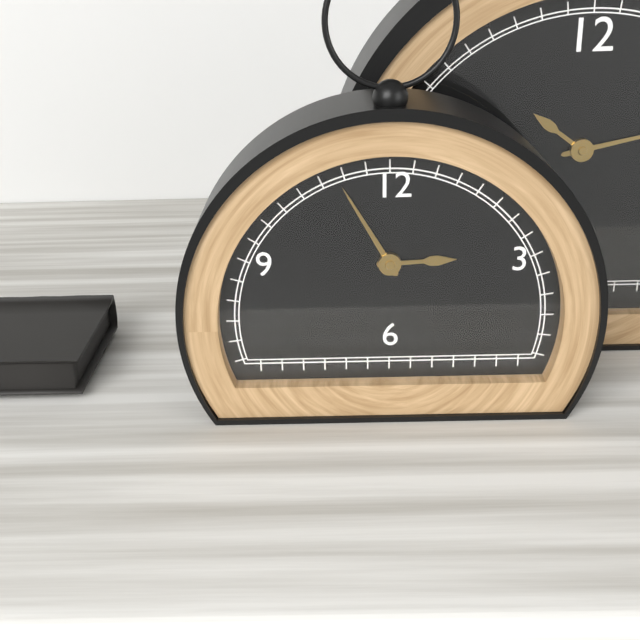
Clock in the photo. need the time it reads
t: 2:55
